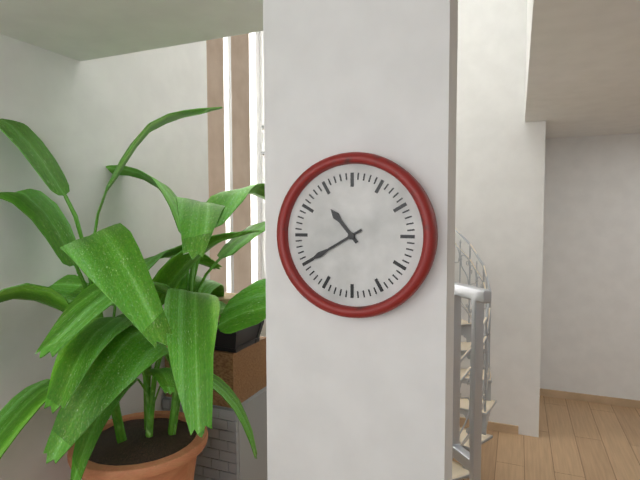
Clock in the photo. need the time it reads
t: 10:40
